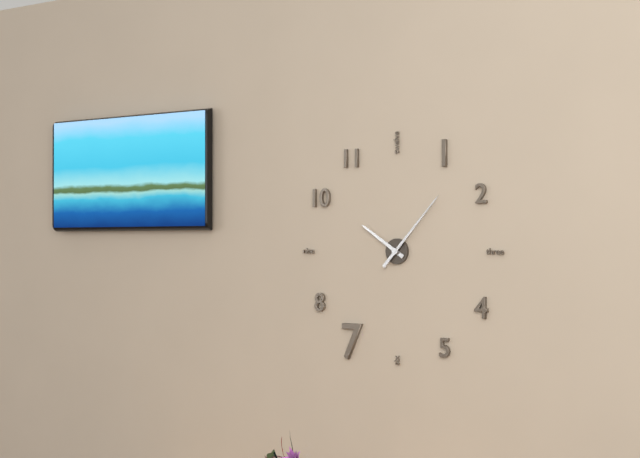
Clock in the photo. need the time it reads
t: 10:07
